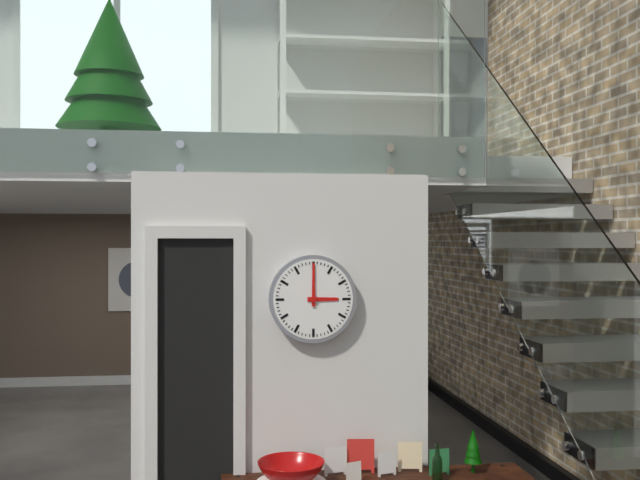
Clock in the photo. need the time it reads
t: 3:00
